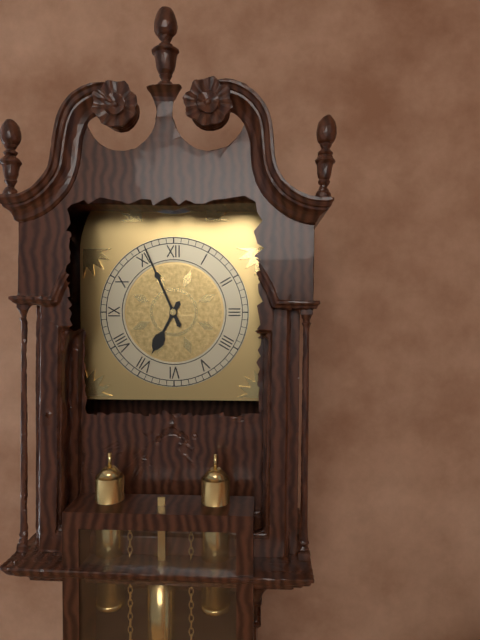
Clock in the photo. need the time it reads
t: 6:56
